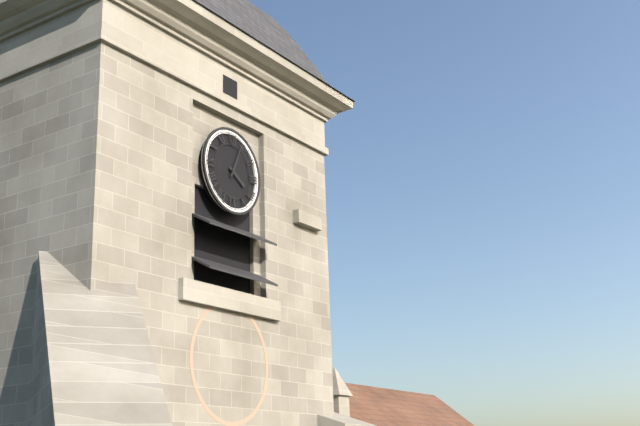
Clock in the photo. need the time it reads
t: 4:04
